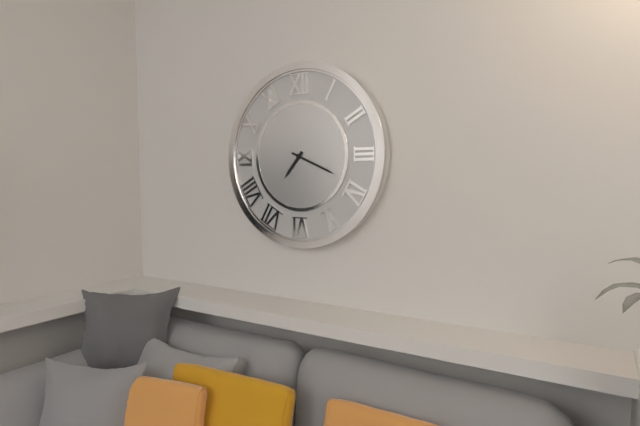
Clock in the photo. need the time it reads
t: 7:19
